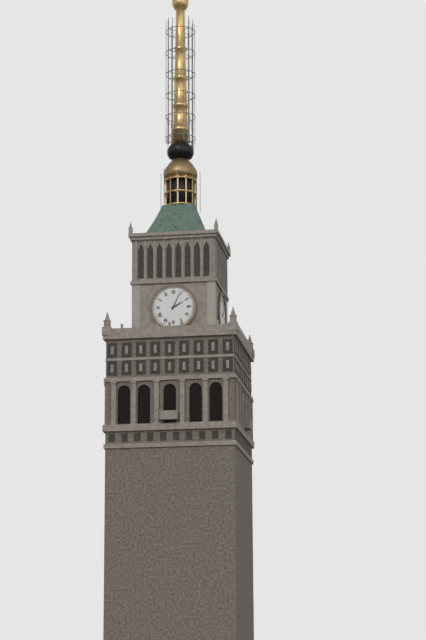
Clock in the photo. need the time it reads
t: 2:04
